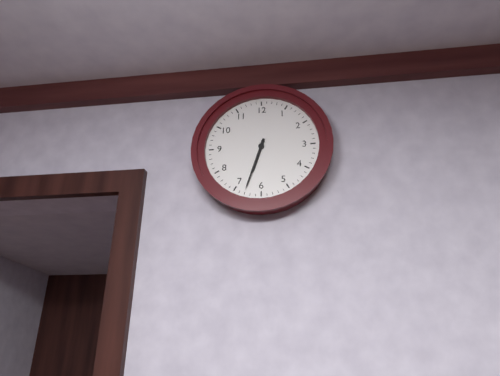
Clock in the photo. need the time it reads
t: 6:33
